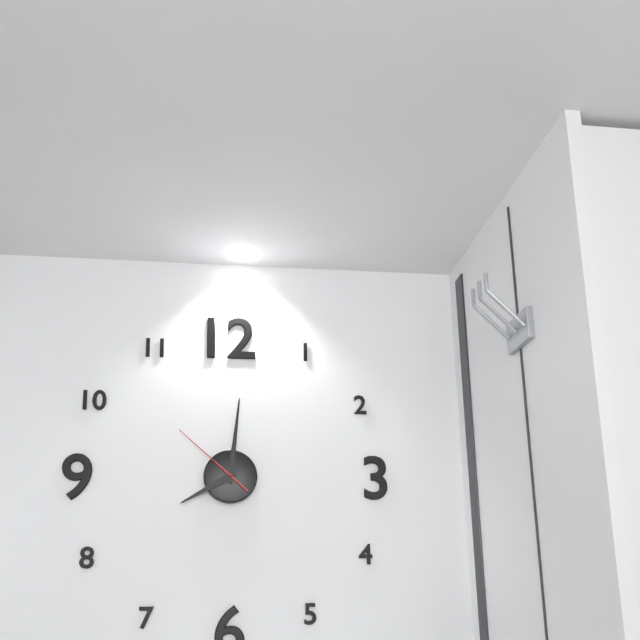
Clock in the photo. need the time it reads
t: 8:01:52
